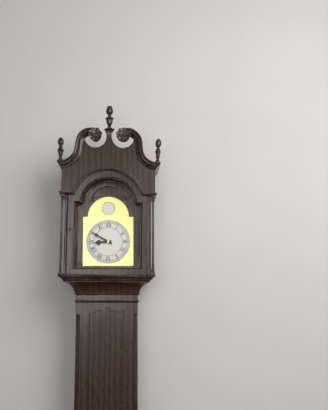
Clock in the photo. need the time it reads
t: 8:50
